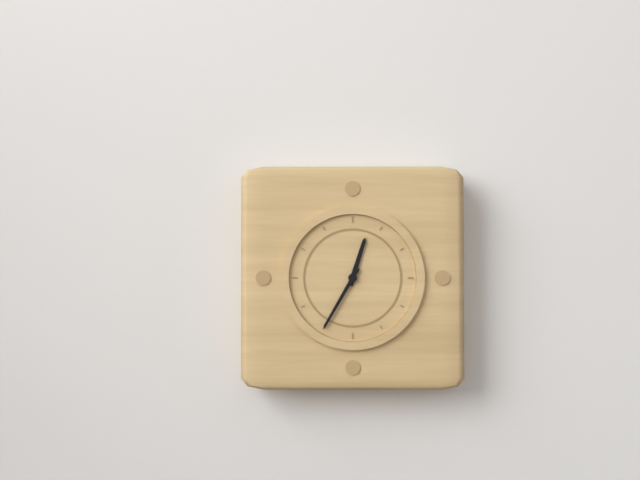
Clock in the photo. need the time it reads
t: 12:35
